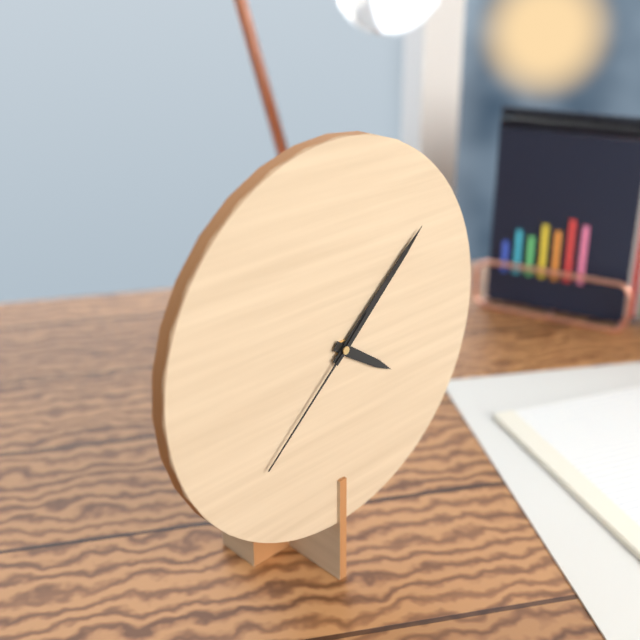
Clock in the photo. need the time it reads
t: 4:08:38
